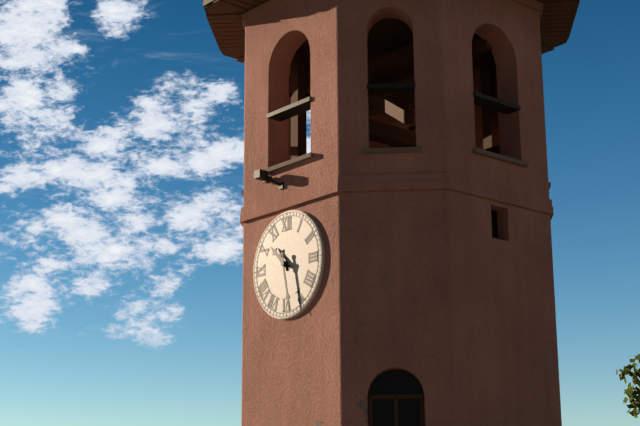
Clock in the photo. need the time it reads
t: 10:28
